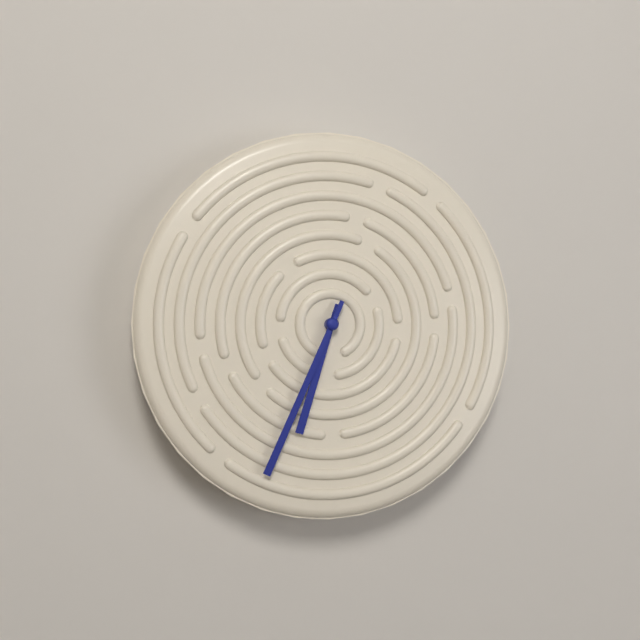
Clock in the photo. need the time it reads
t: 6:34
